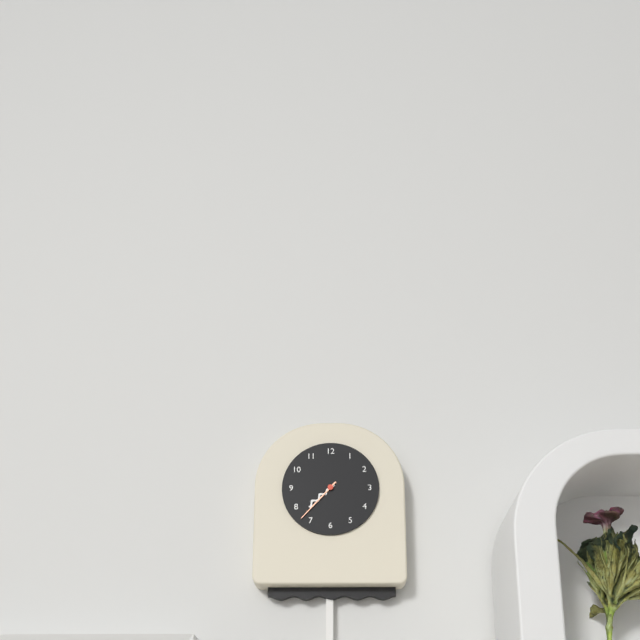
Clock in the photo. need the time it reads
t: 7:37
